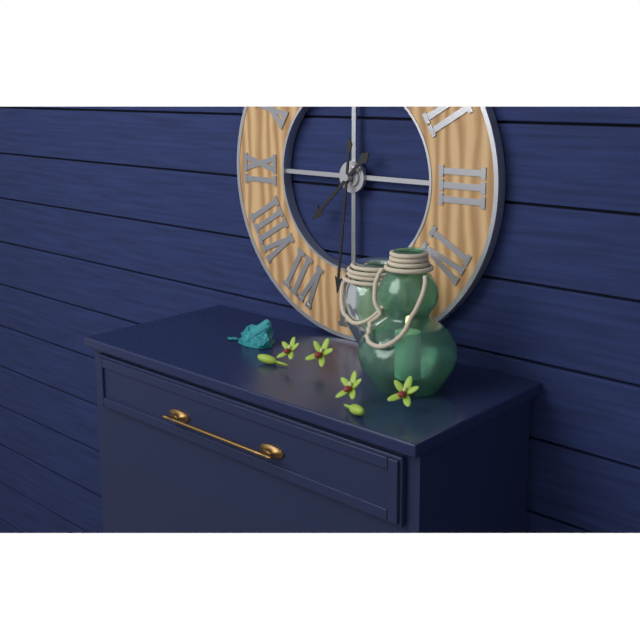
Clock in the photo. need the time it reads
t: 7:31
